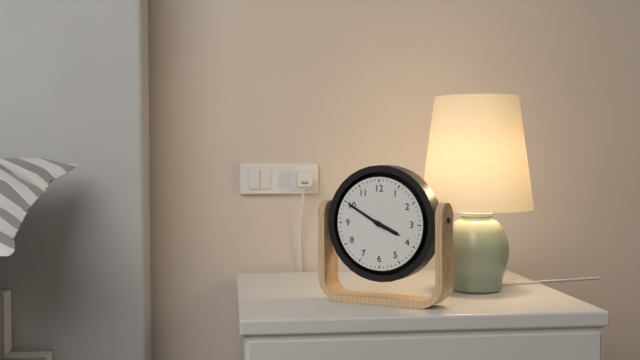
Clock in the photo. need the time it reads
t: 3:50
